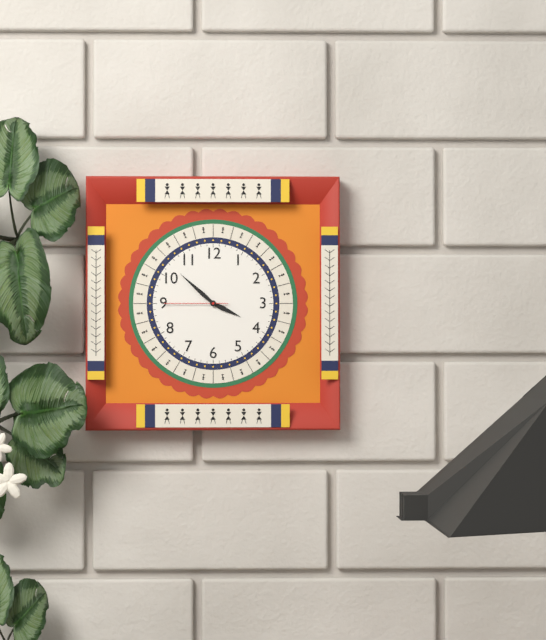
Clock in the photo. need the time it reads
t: 3:52:45
